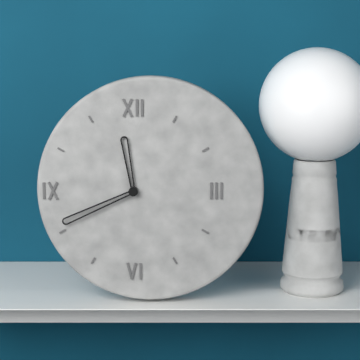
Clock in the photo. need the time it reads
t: 11:41
